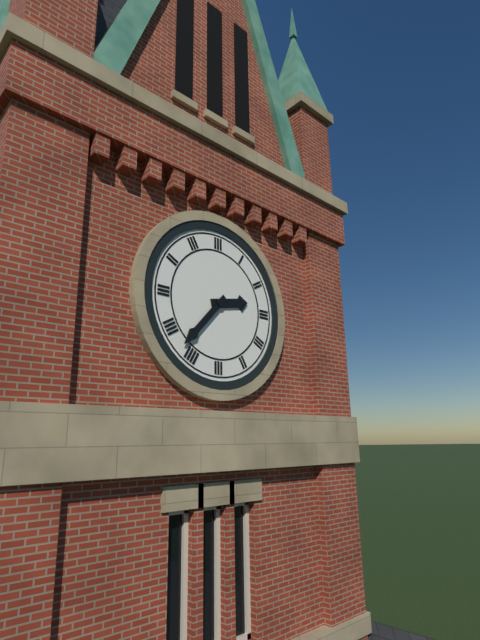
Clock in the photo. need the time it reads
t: 2:37
